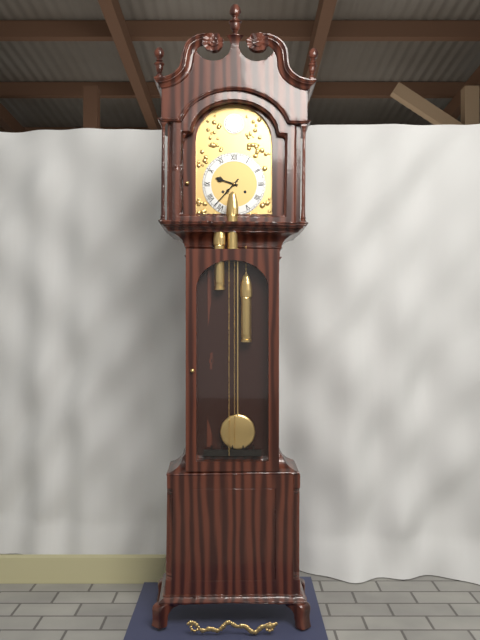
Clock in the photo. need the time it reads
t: 9:37
